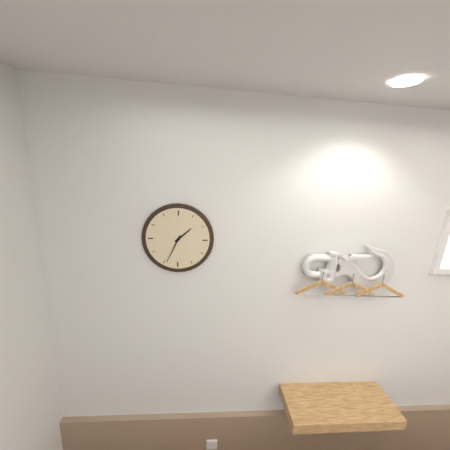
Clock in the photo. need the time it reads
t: 1:34
